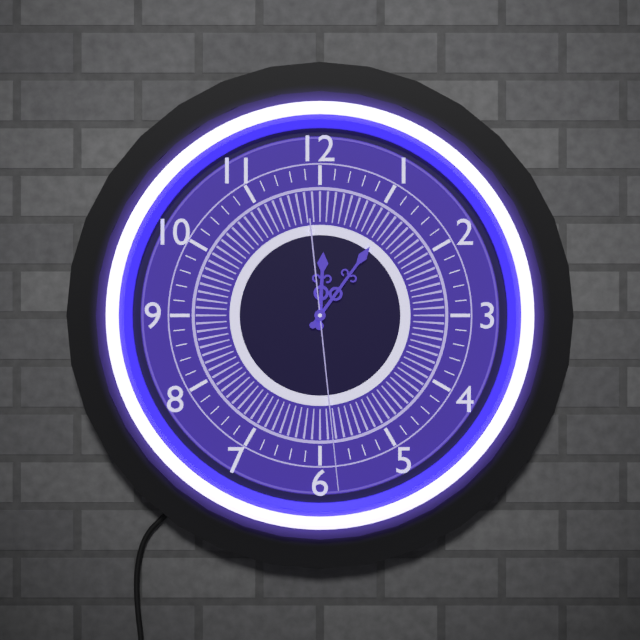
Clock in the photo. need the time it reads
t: 12:06:29
